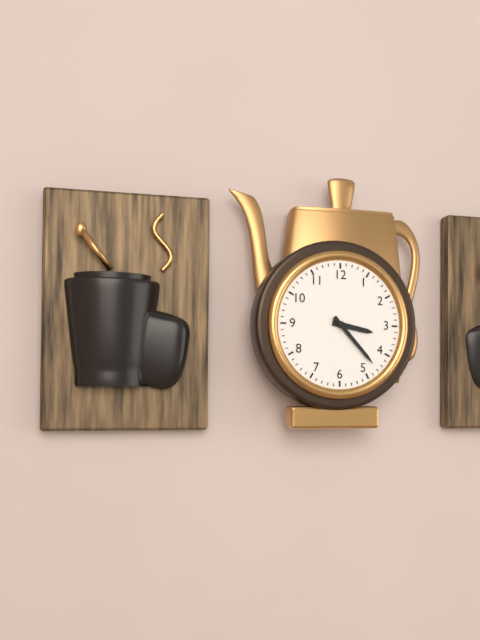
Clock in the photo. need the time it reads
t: 3:23
